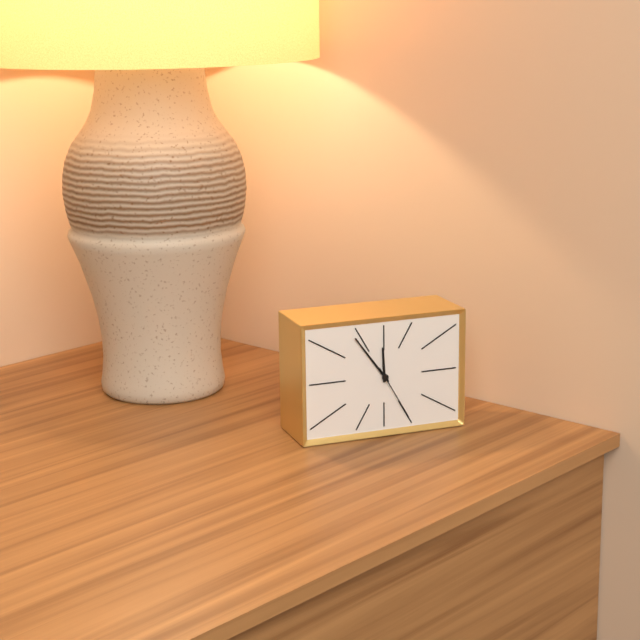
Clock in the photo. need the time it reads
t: 11:54:25
